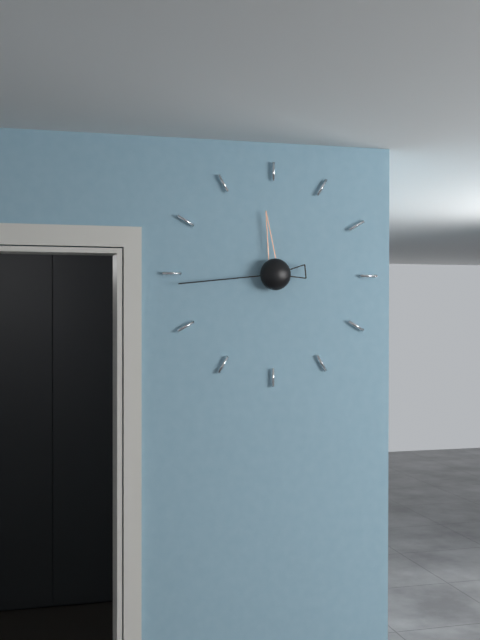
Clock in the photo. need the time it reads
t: 11:44
